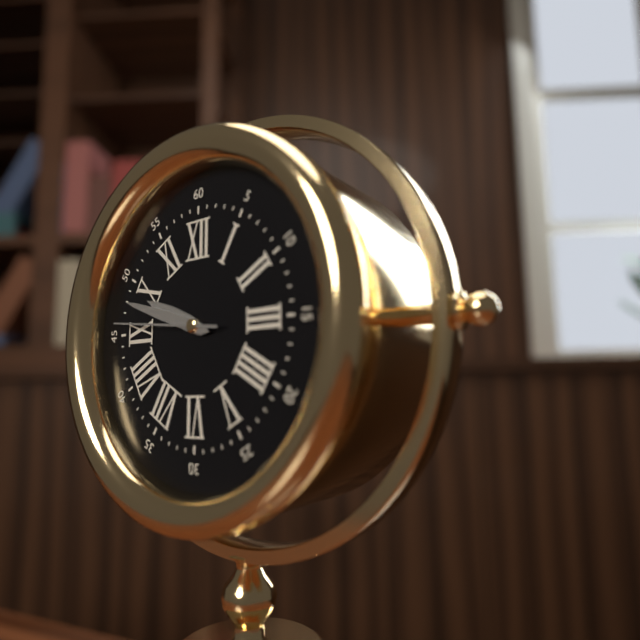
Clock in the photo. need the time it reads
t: 9:48:46
